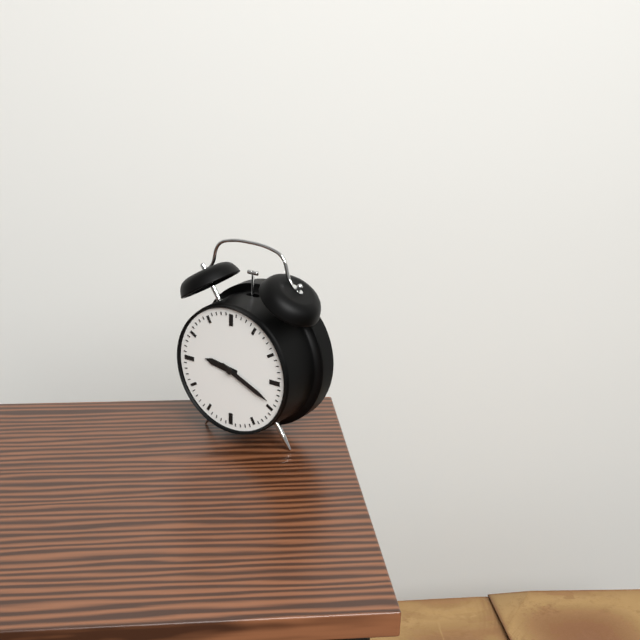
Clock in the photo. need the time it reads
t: 9:19
